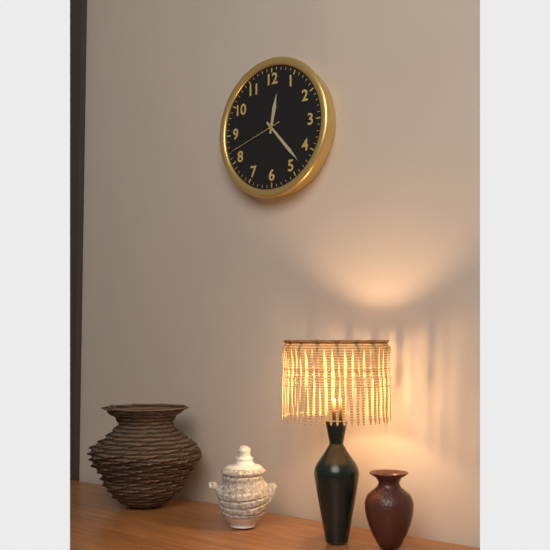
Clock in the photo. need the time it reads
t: 12:23:42
